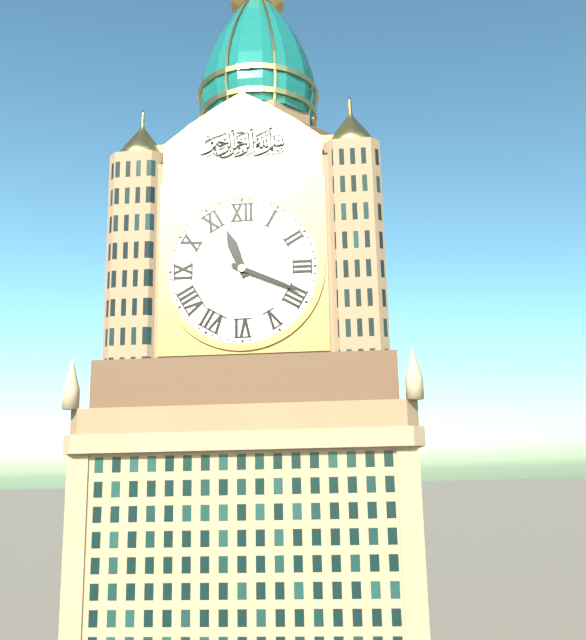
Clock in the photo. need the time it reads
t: 11:19
